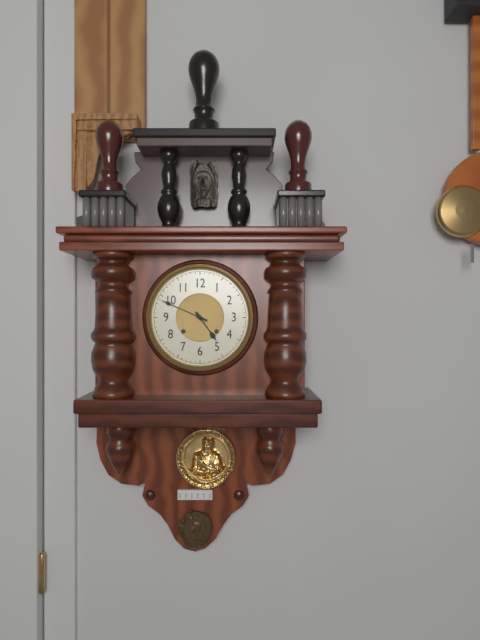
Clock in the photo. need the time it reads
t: 4:49
